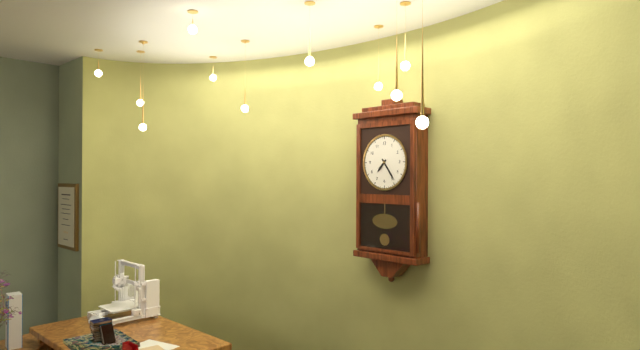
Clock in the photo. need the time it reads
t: 7:24
